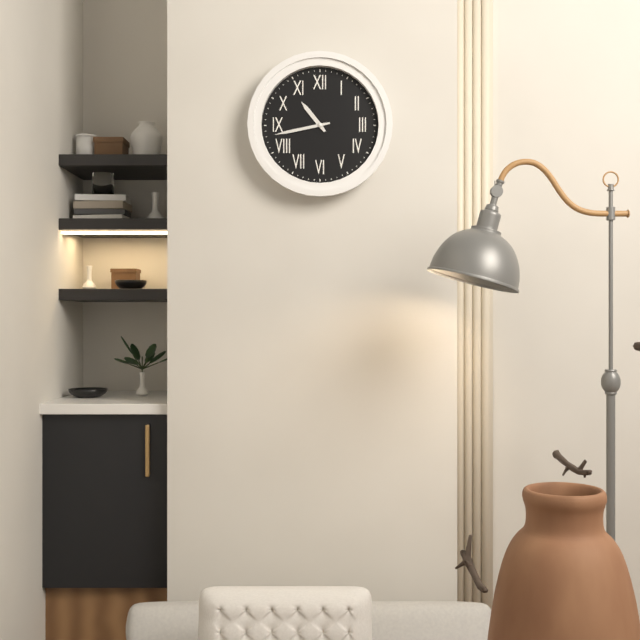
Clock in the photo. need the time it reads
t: 10:43
